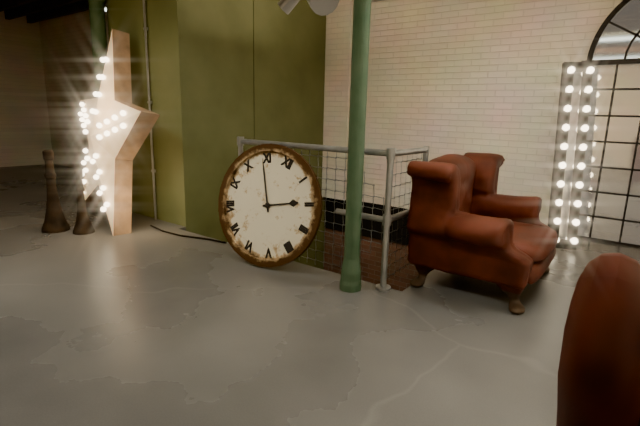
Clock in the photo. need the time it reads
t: 1:54
